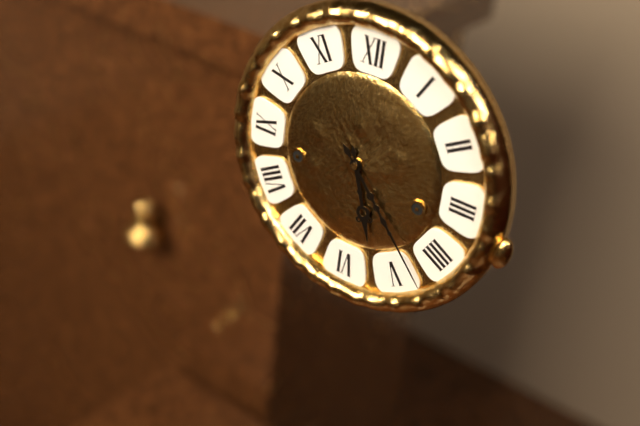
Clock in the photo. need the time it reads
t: 5:23
